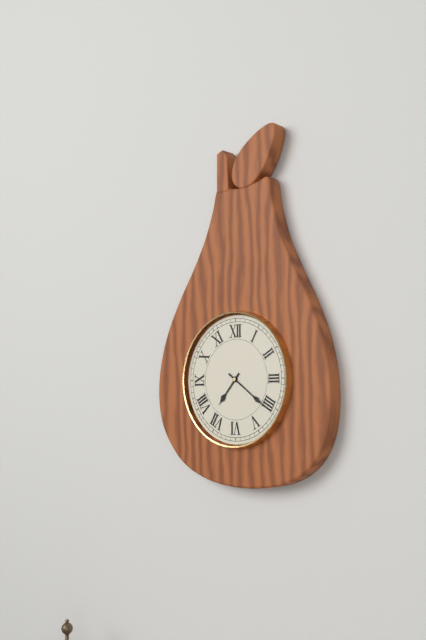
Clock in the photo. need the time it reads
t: 7:21
